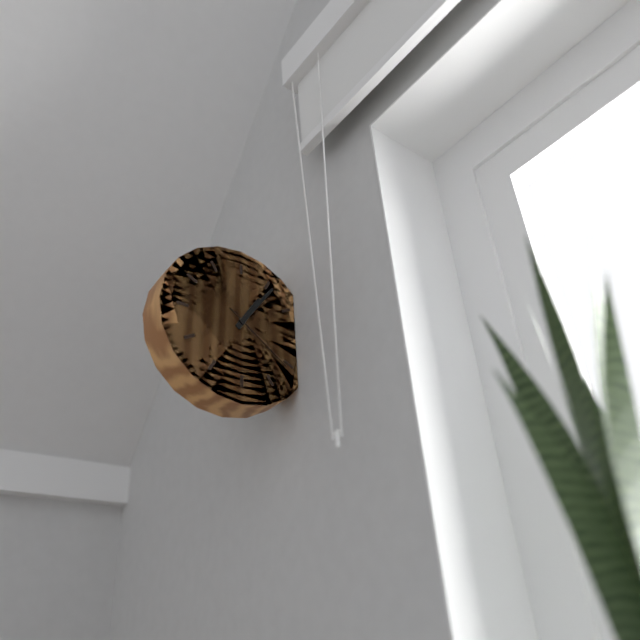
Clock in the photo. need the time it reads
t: 1:06:21
